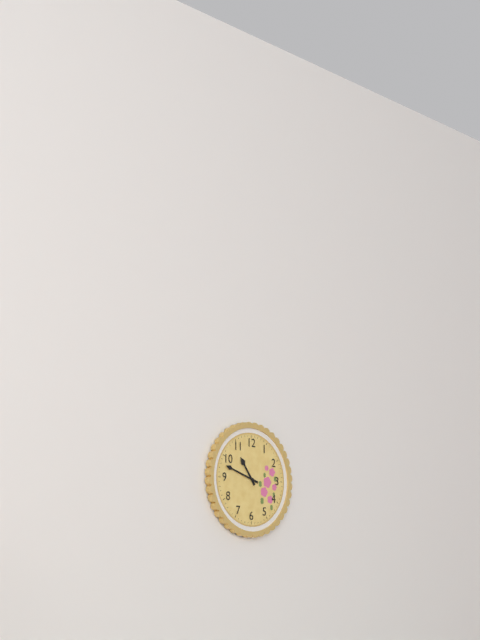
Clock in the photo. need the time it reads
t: 10:48
